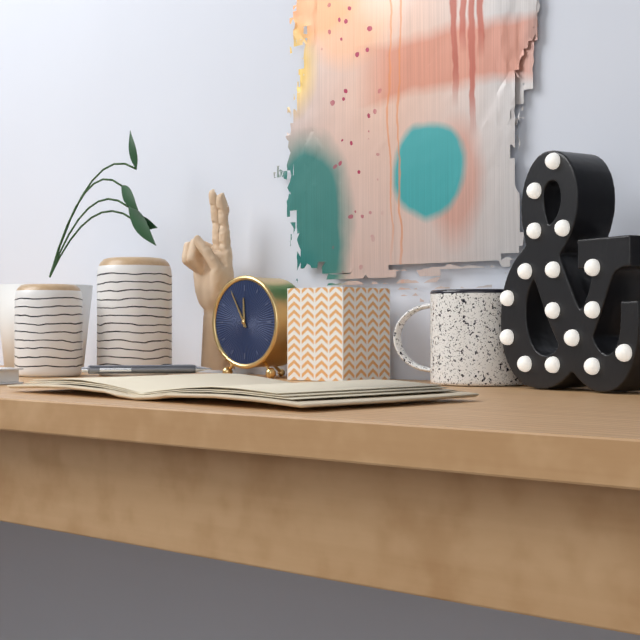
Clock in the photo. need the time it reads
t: 11:55
